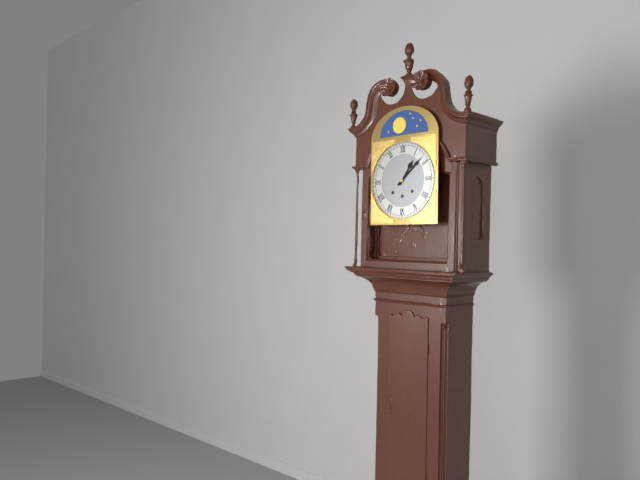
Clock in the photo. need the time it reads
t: 1:08
